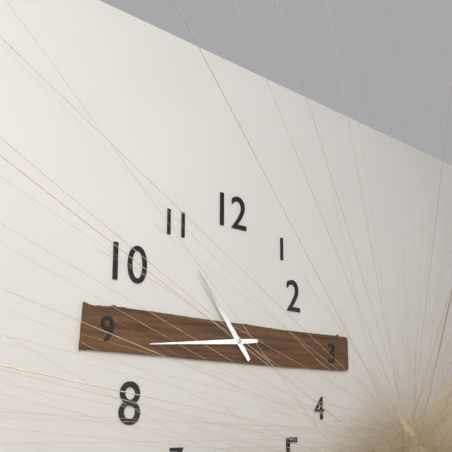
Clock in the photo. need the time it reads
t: 10:44
